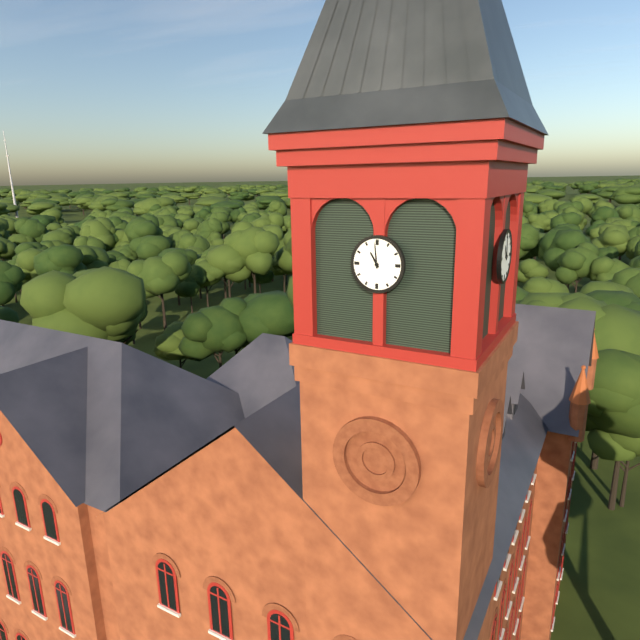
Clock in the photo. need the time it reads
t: 10:59
